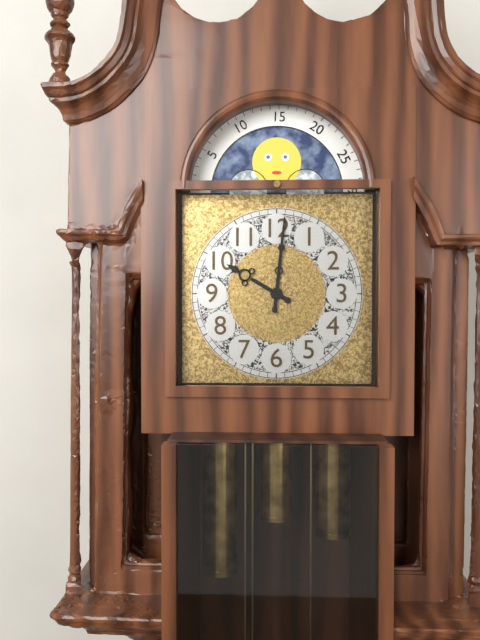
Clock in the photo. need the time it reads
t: 10:01
